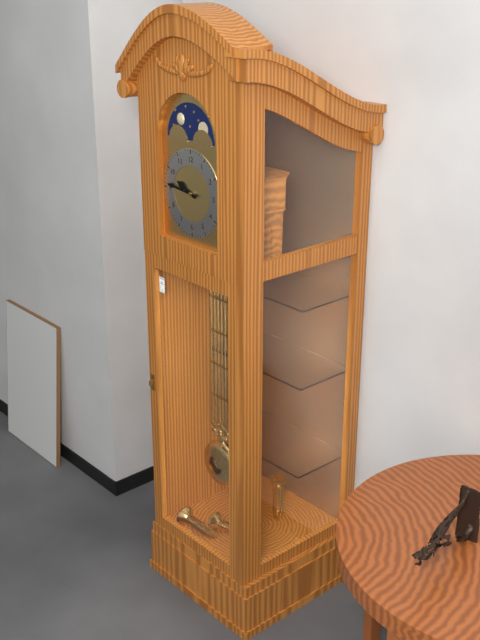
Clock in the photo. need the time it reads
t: 9:46
